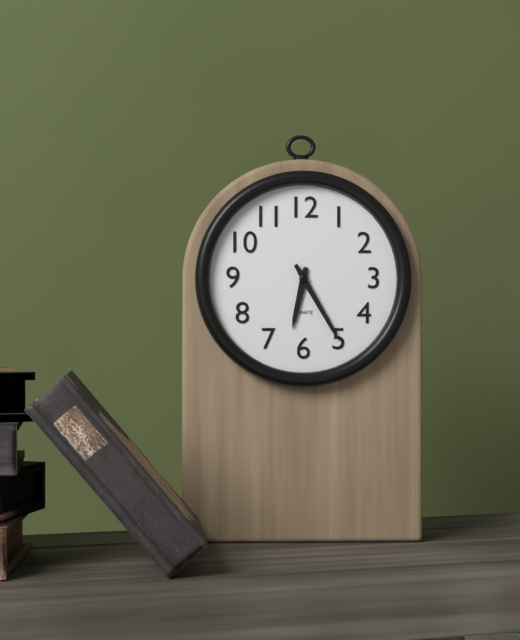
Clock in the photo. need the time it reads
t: 6:25
